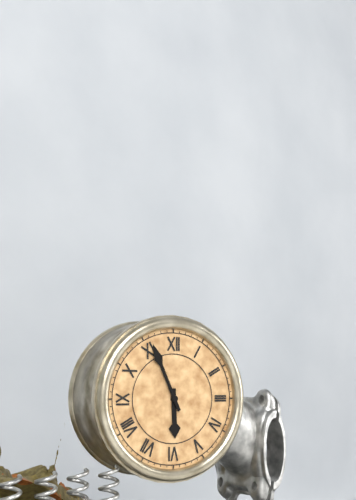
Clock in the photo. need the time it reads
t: 5:56
